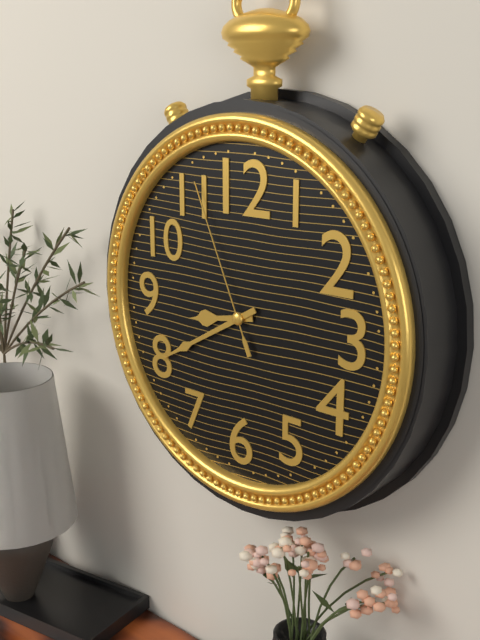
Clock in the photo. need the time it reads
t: 8:40:56
